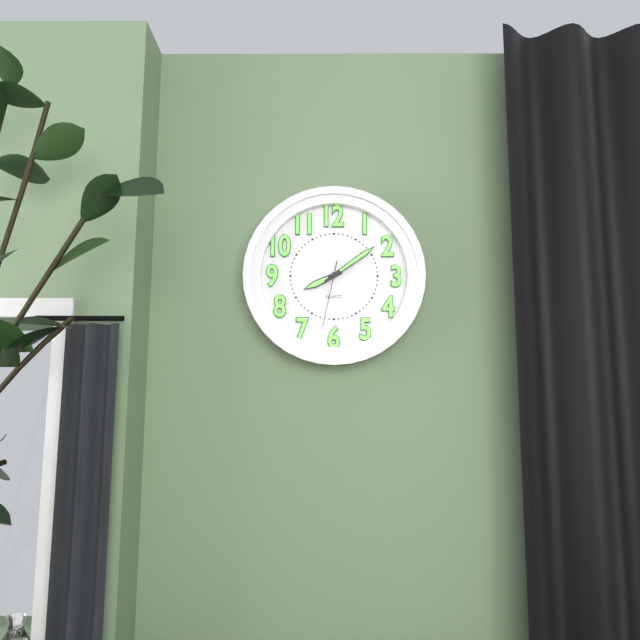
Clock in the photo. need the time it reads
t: 8:09:32
